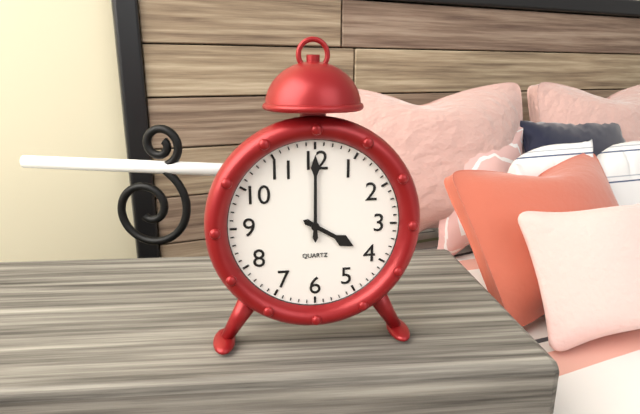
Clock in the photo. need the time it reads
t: 4:00
